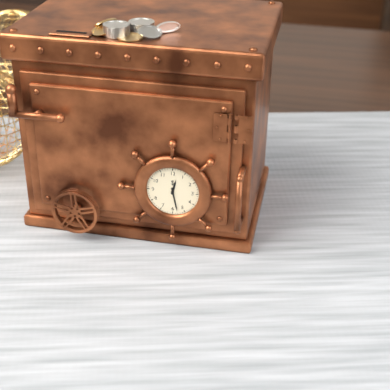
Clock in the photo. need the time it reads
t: 12:28
